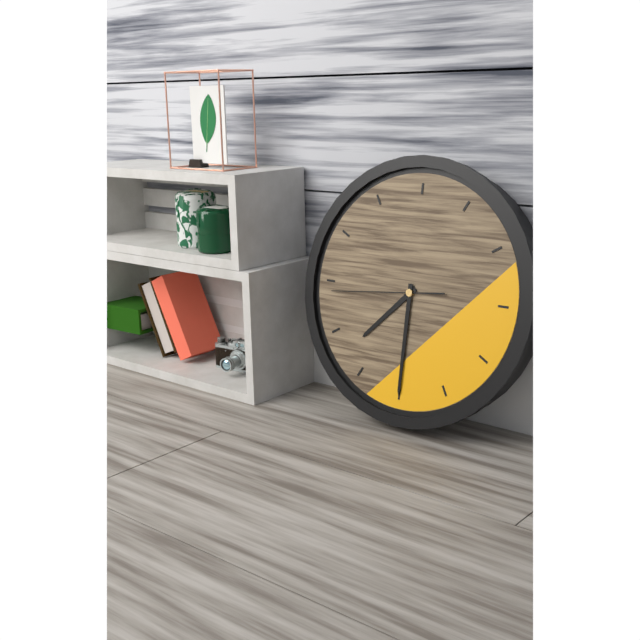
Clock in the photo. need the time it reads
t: 7:30:44
